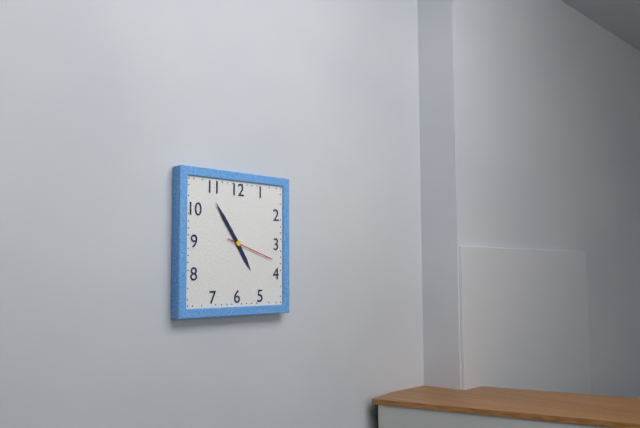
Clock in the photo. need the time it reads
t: 4:54
